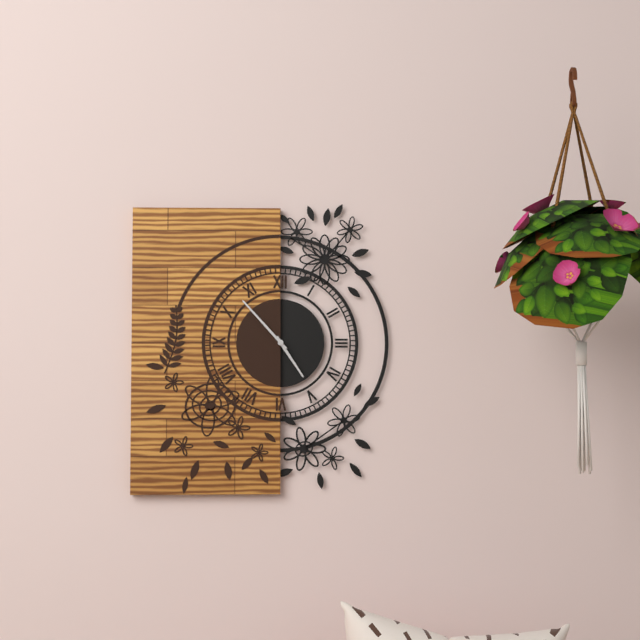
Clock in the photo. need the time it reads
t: 4:53
